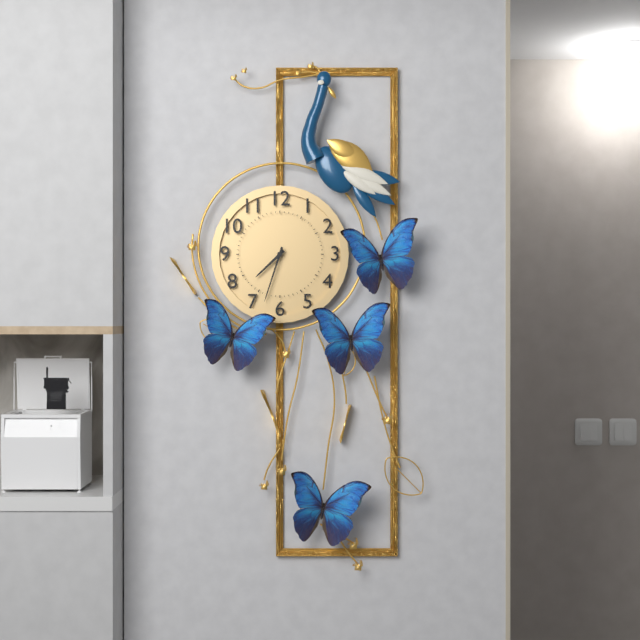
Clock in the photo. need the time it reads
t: 7:33
